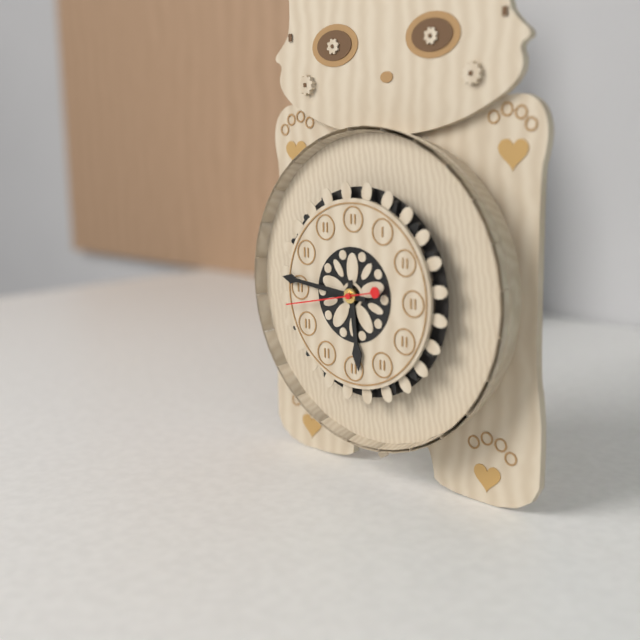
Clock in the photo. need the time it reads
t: 5:46:43
